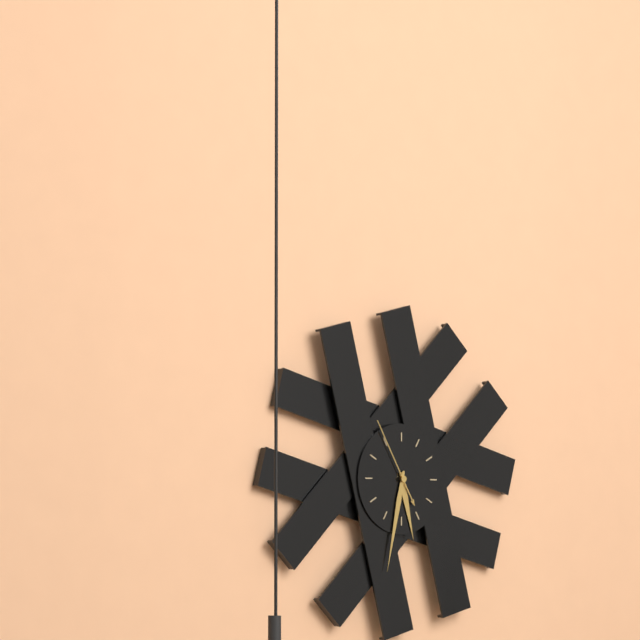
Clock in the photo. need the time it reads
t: 5:32:55
